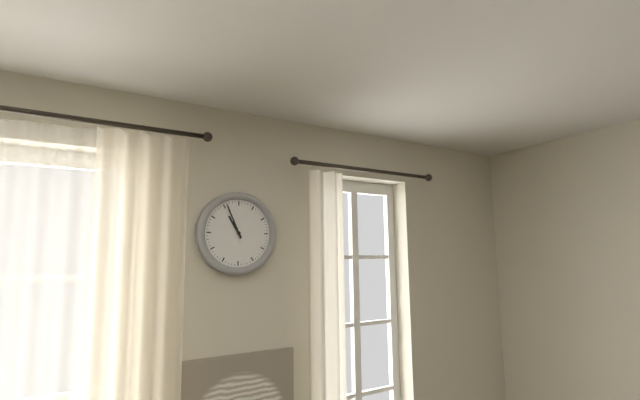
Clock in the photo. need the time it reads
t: 10:56
